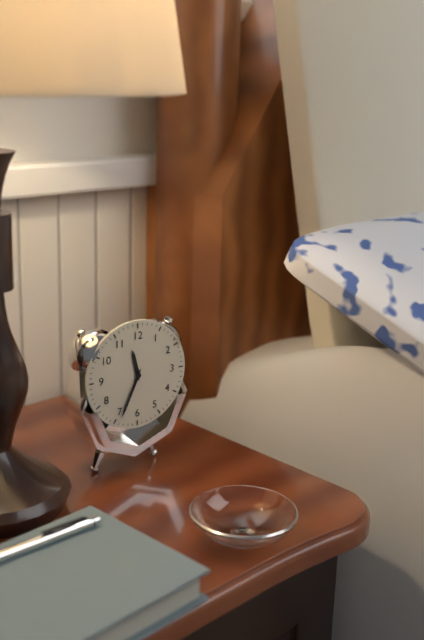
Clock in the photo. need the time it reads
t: 11:34
